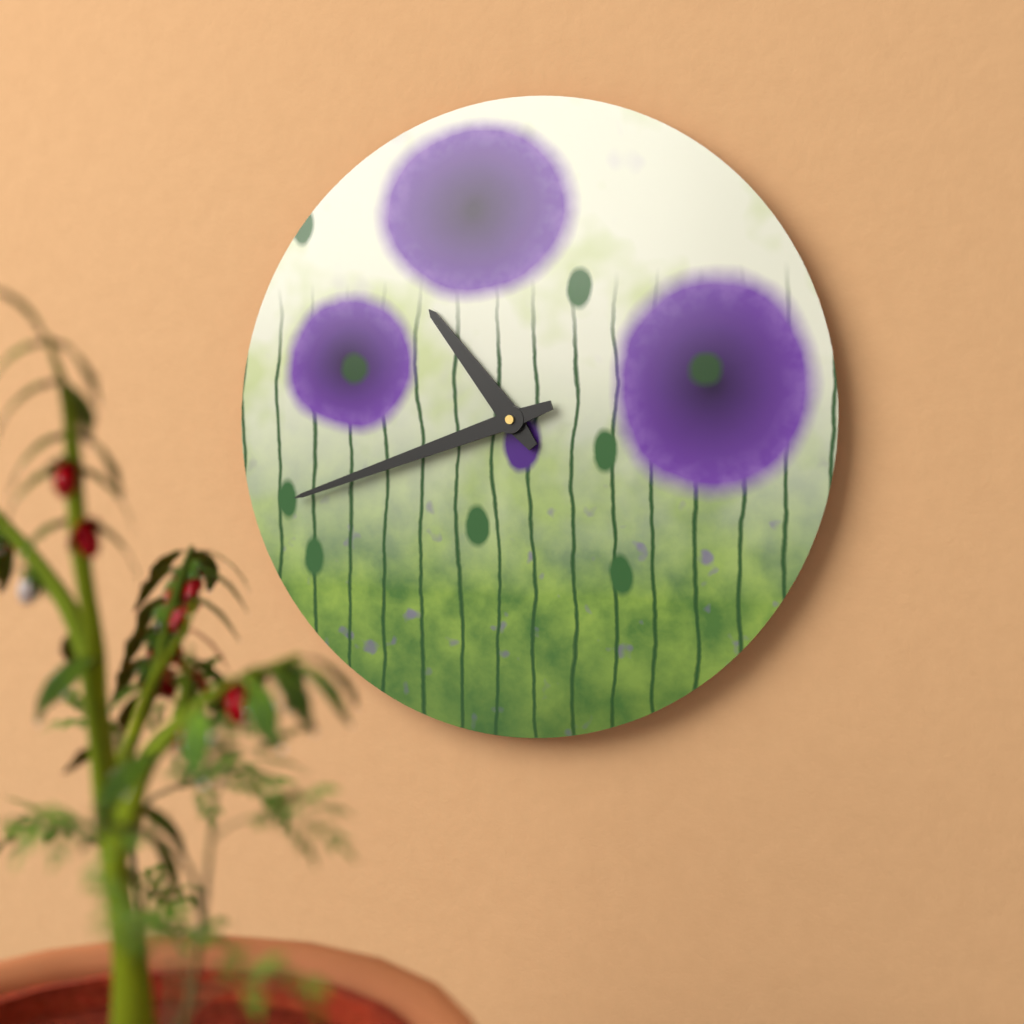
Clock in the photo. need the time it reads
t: 10:42
